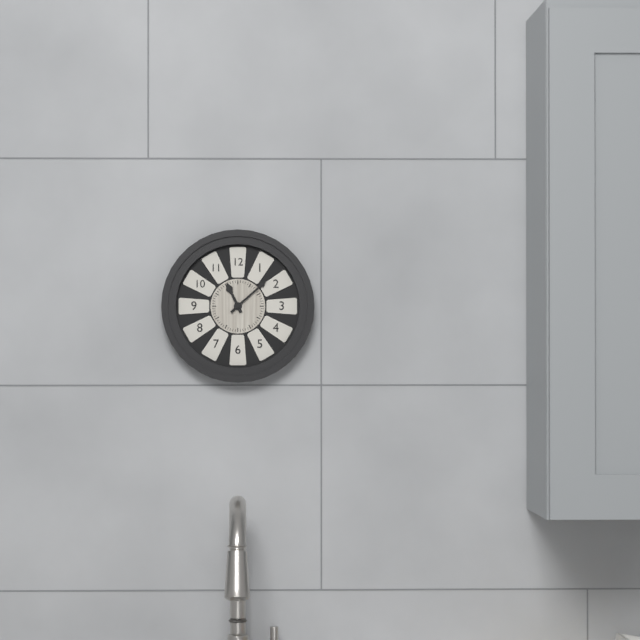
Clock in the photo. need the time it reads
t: 11:08
